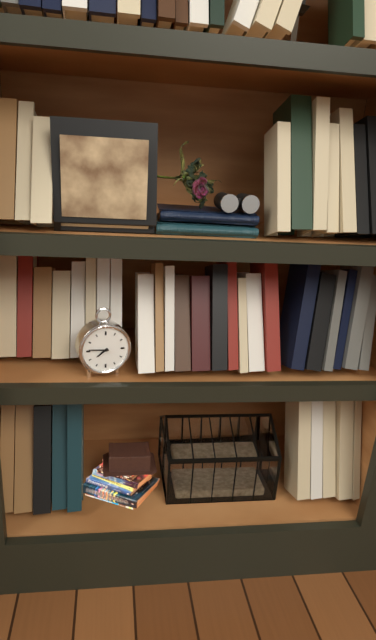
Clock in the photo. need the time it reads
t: 7:46
